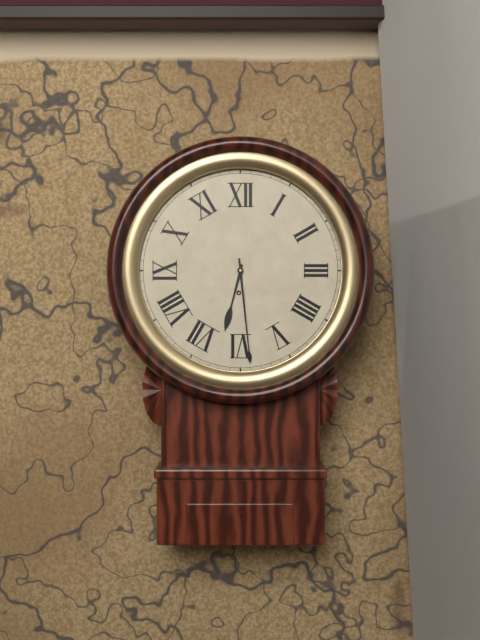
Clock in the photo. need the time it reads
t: 6:29
